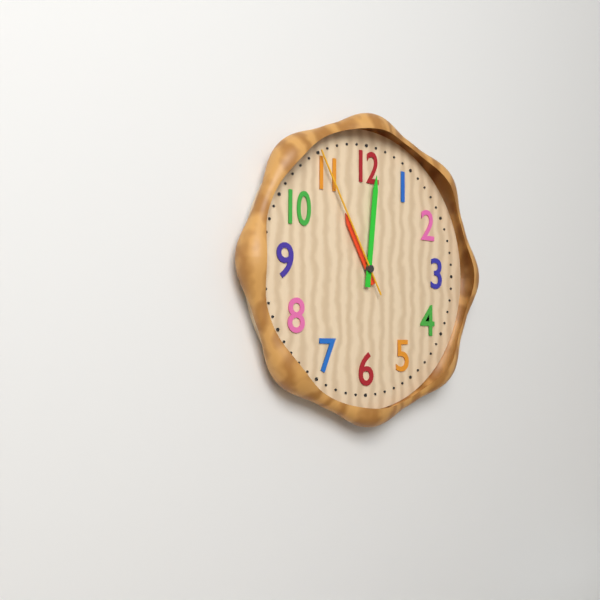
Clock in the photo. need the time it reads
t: 11:01:55
